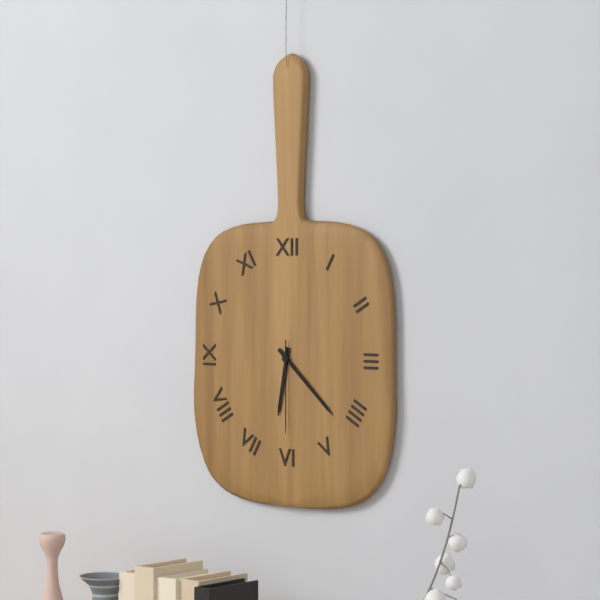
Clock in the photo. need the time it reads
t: 6:22:30
